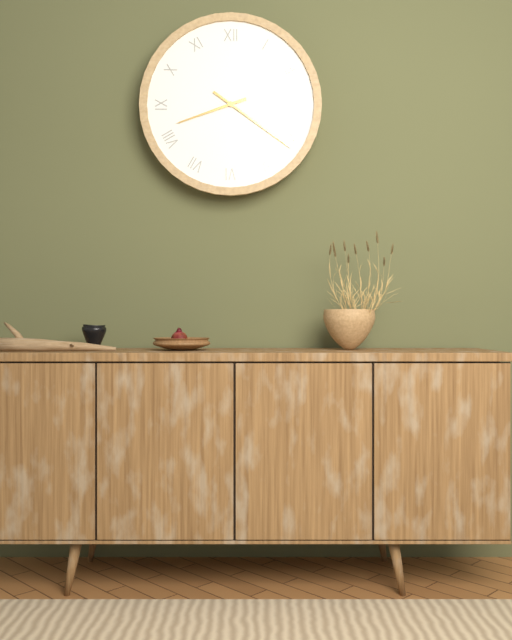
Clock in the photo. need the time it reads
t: 8:21
